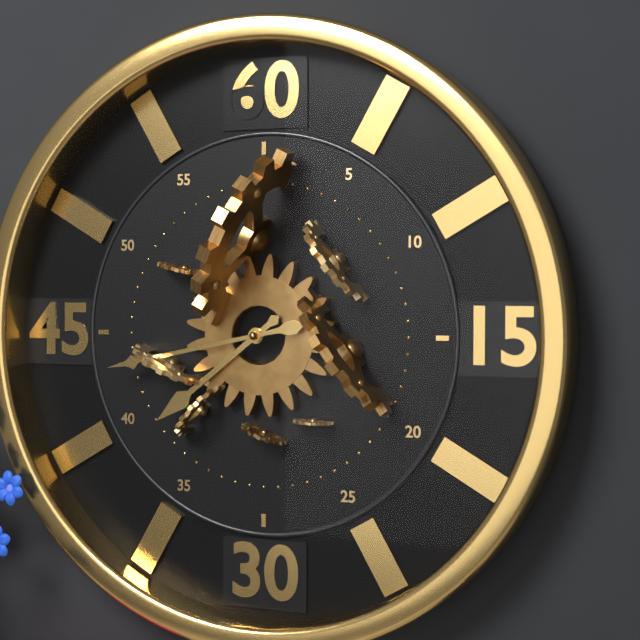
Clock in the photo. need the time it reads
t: 7:43
